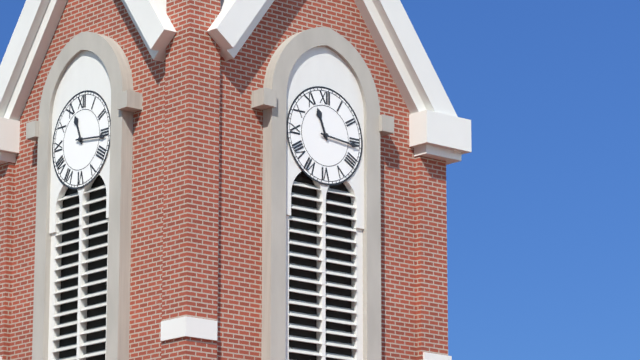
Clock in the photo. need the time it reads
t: 11:16
